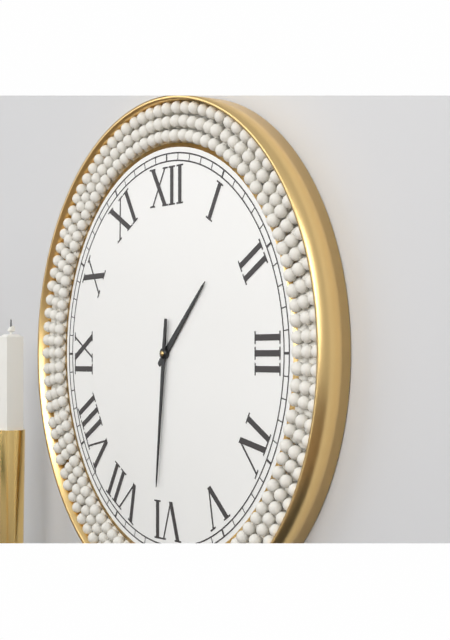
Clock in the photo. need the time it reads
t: 1:31
